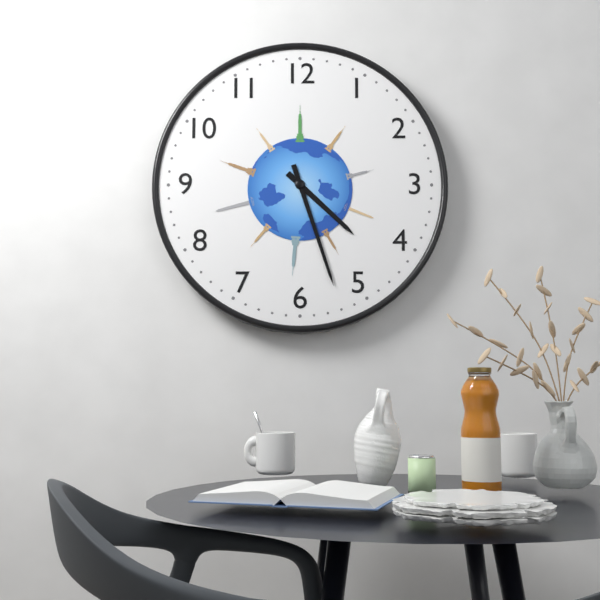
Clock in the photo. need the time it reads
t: 4:27
